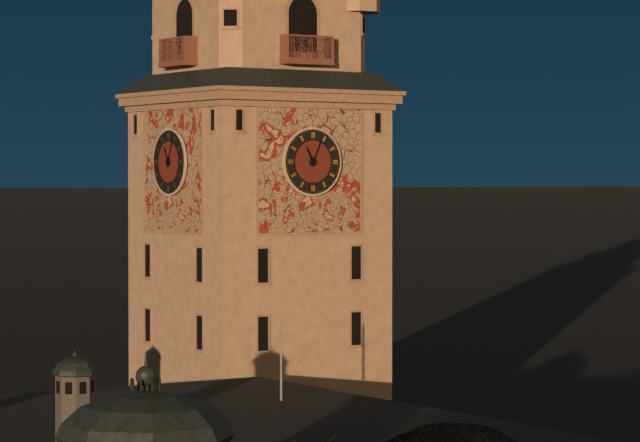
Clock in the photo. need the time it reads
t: 11:04
